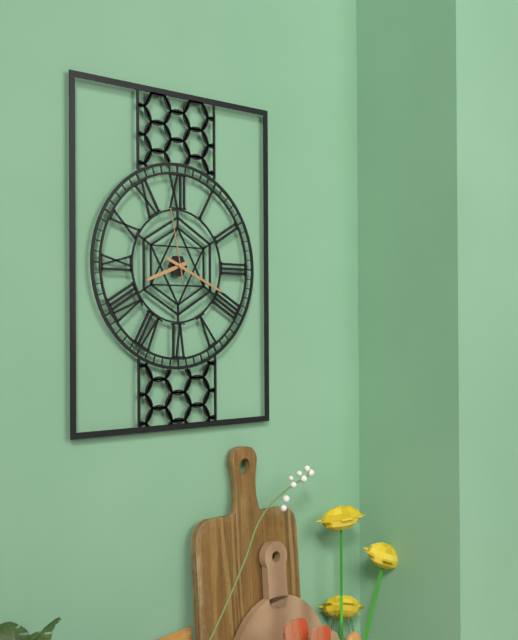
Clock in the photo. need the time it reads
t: 8:19:58
